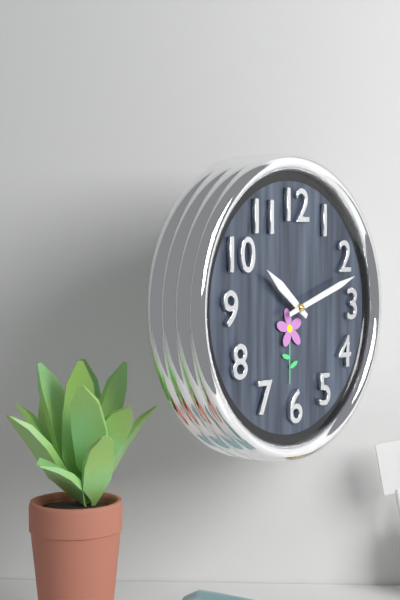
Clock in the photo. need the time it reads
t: 10:12
